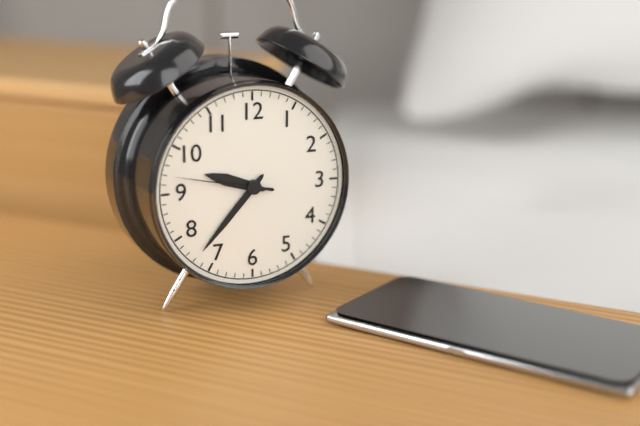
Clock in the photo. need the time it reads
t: 9:37:47
